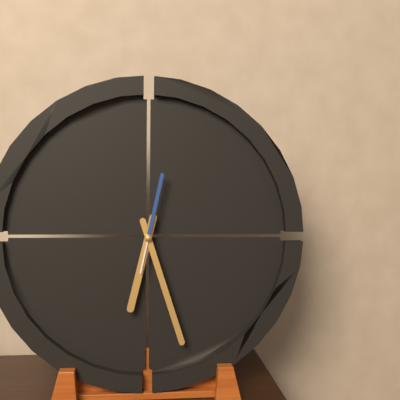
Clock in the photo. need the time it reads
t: 6:27:02
